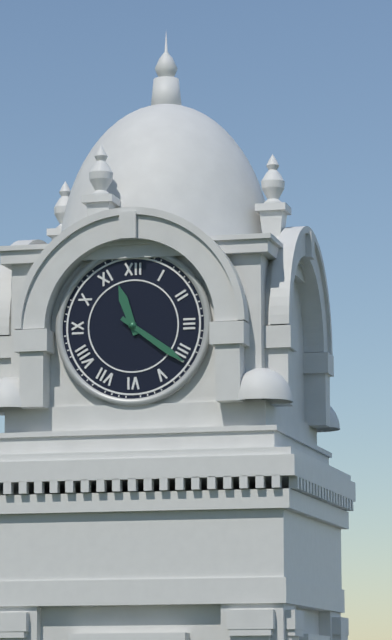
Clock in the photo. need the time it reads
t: 11:21
